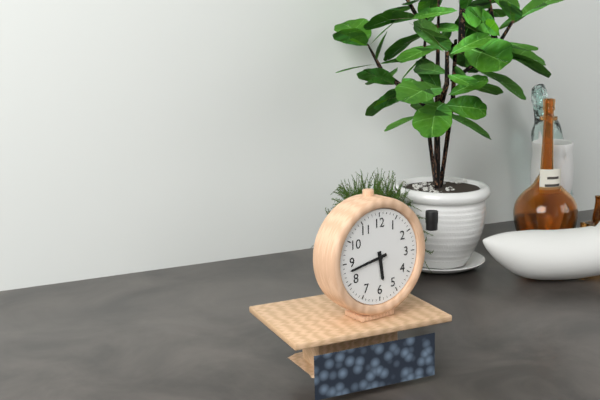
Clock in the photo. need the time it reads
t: 5:43
